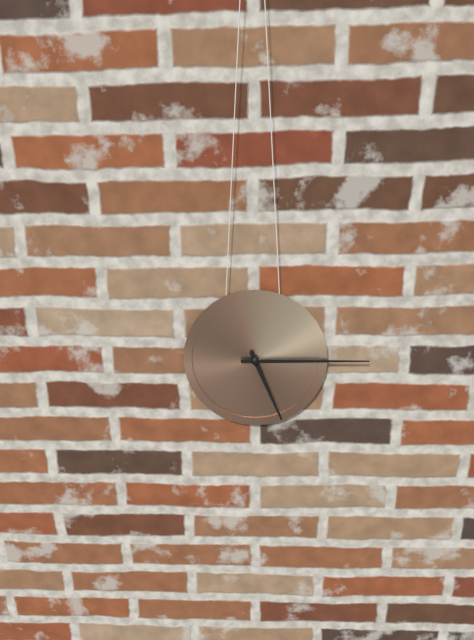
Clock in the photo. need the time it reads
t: 5:15
